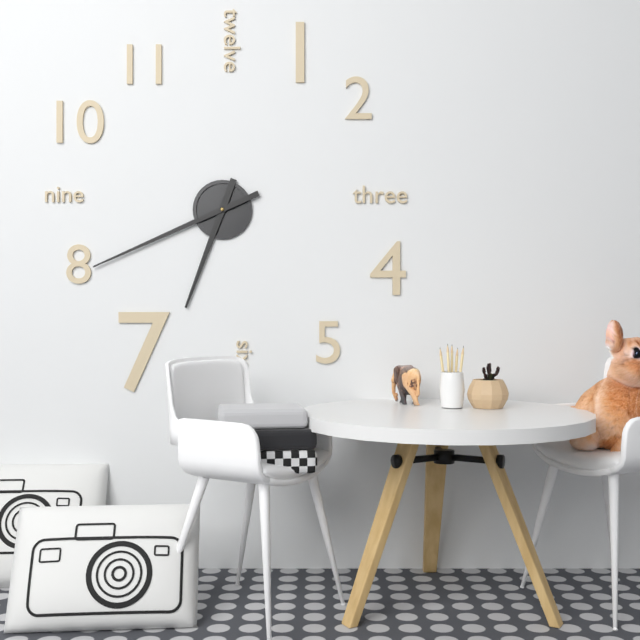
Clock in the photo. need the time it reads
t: 6:41
